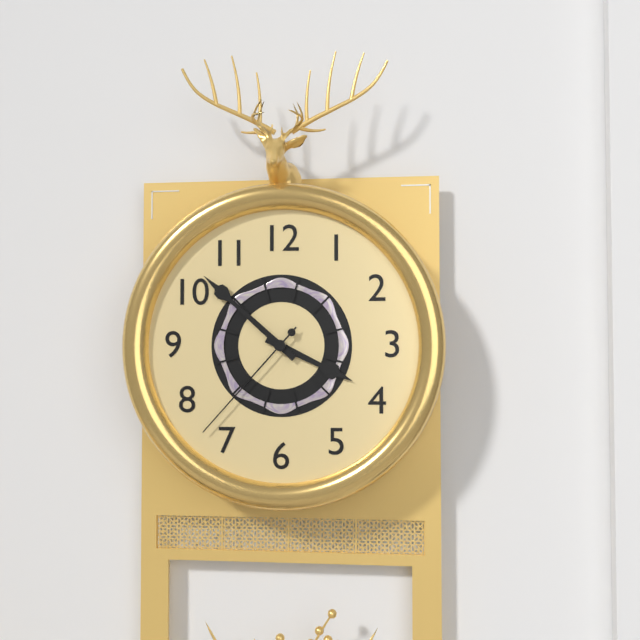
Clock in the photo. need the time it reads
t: 3:52:37
